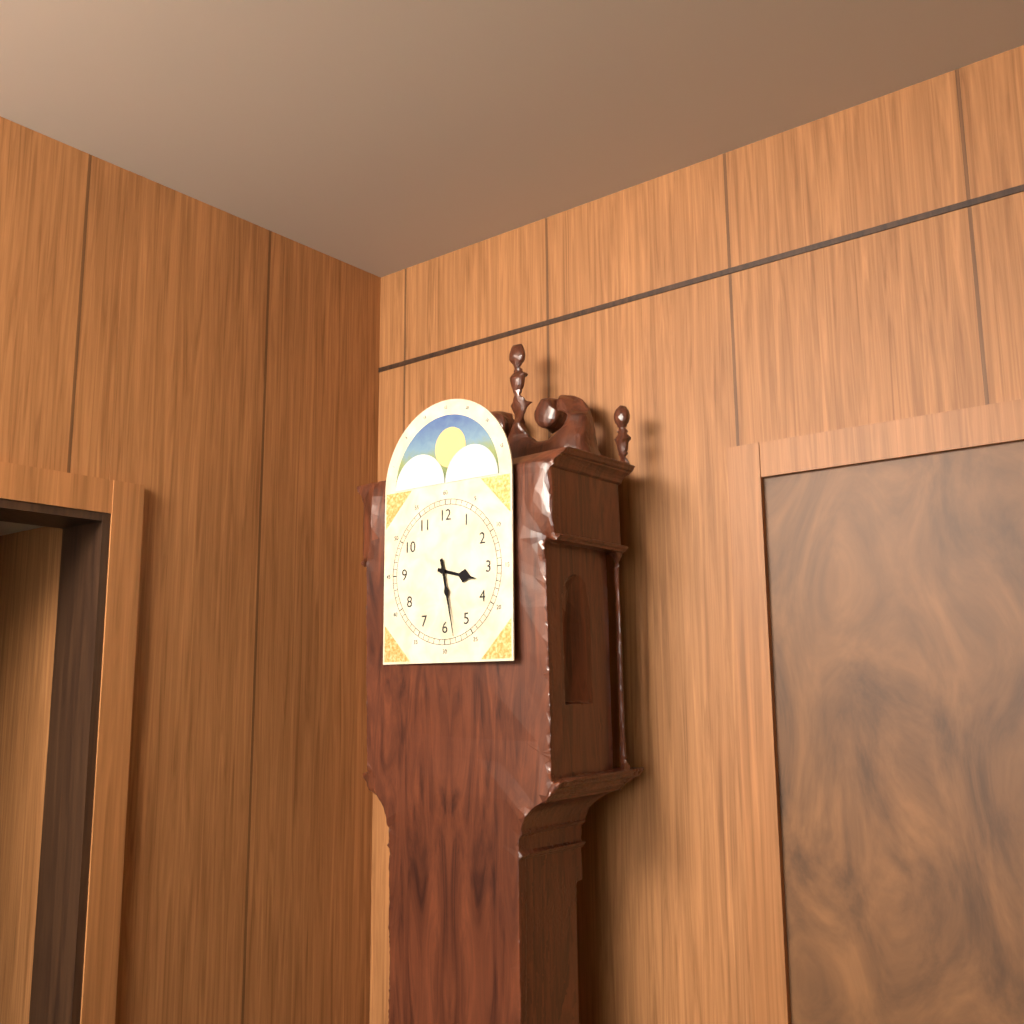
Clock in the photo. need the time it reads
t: 3:28
